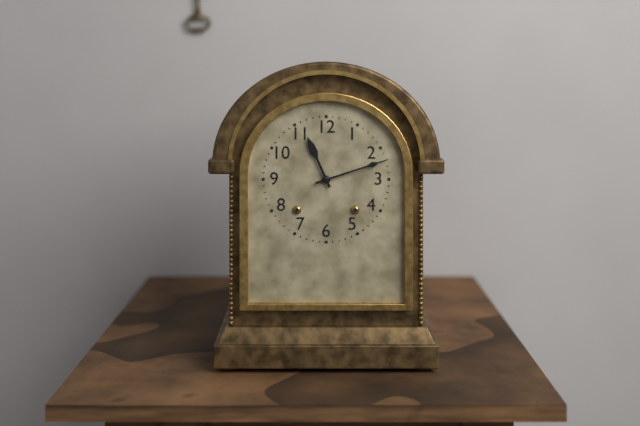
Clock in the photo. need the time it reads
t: 11:12
